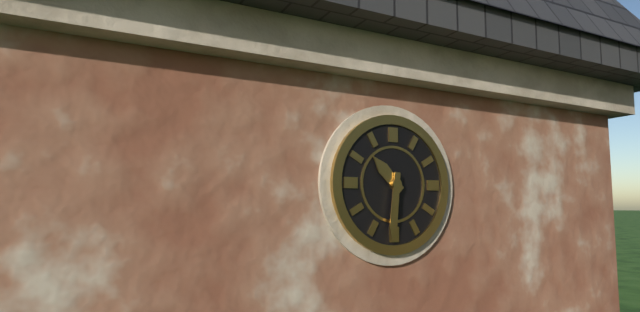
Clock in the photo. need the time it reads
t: 10:31
